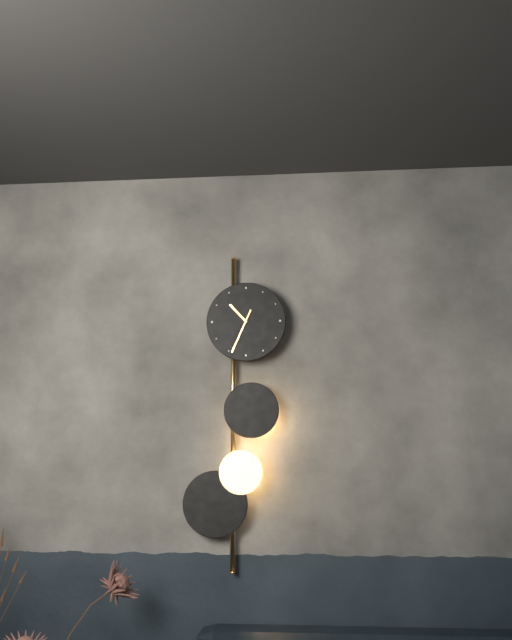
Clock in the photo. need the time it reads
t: 10:34
